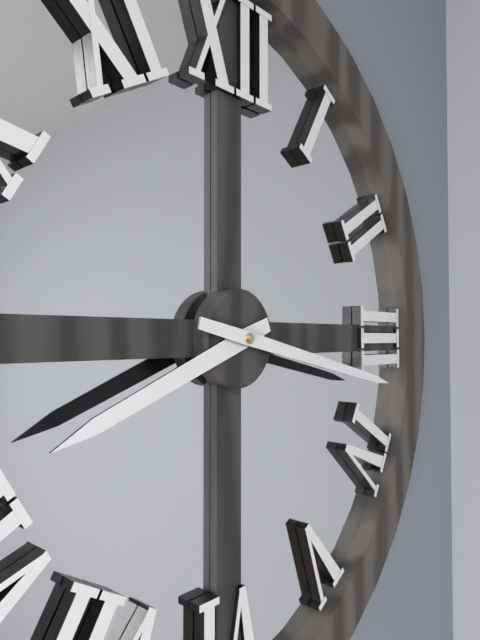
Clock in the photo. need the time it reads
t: 8:17
